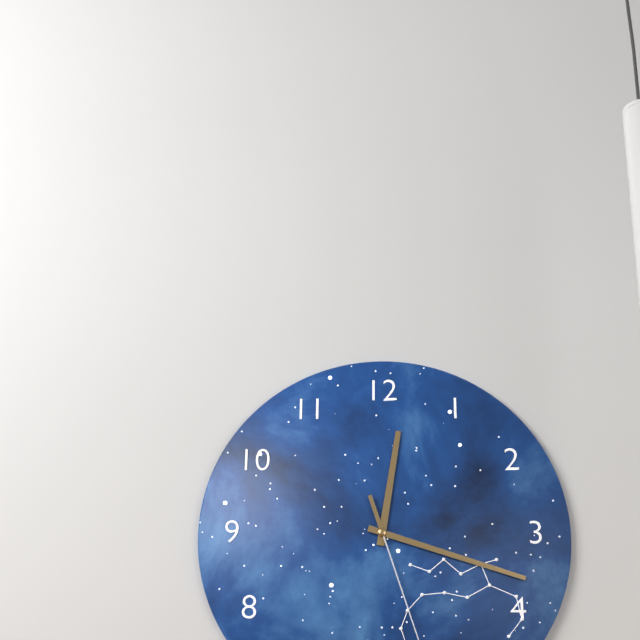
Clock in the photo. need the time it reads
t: 12:18
